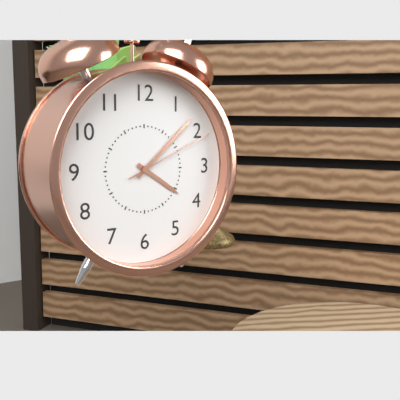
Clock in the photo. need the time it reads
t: 4:08:11
